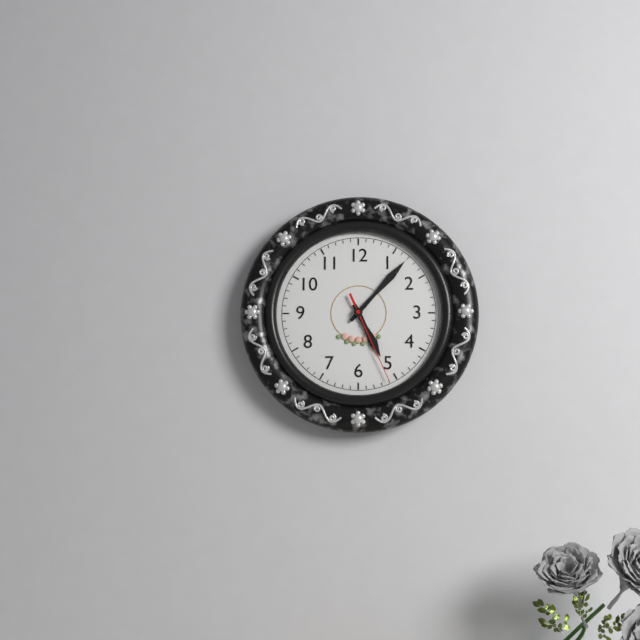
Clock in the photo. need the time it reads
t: 5:07:26
